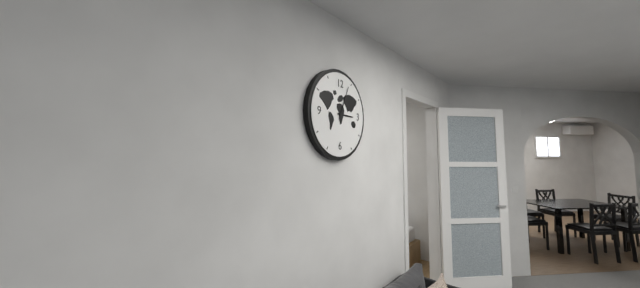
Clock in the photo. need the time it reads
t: 3:04
